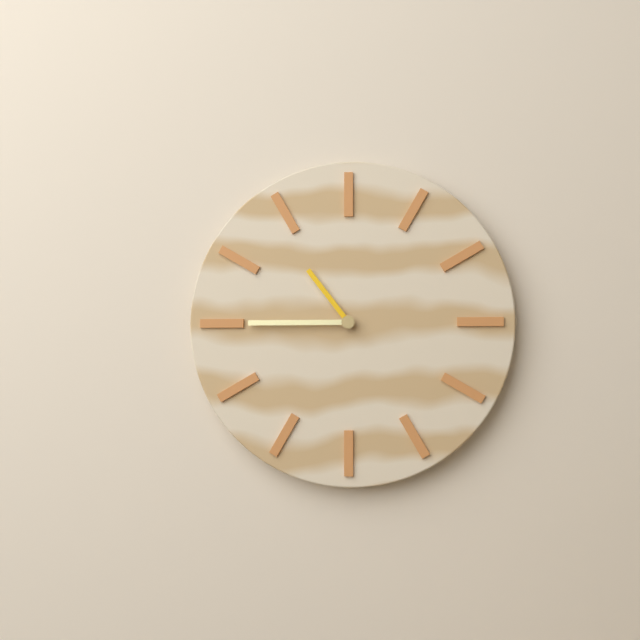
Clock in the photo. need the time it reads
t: 10:45
